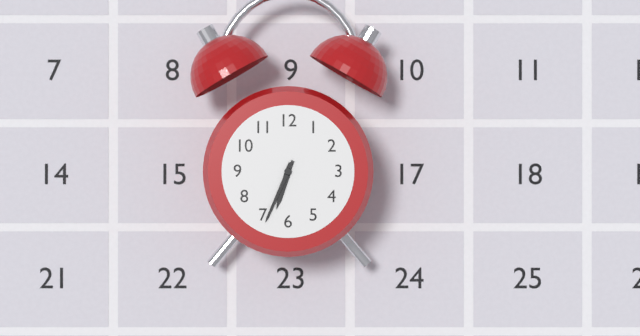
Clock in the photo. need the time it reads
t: 6:34
